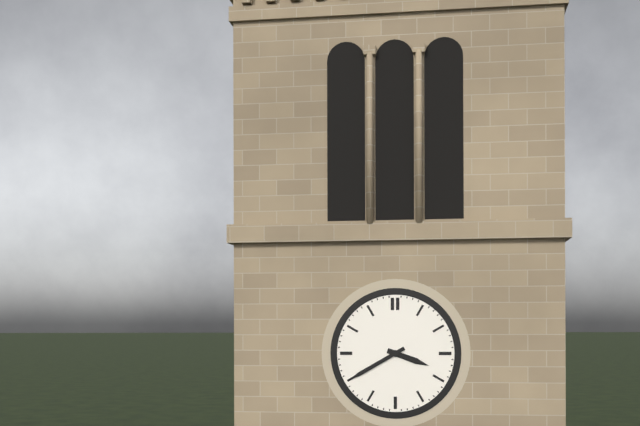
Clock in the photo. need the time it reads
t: 3:40
